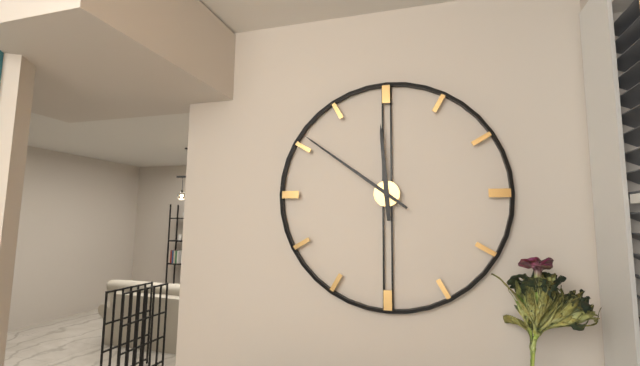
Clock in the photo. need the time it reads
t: 11:51
